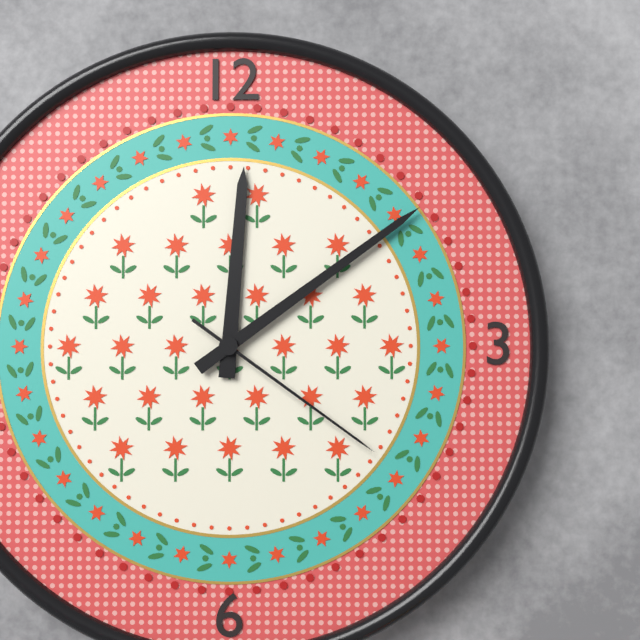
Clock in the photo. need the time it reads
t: 12:09:21
